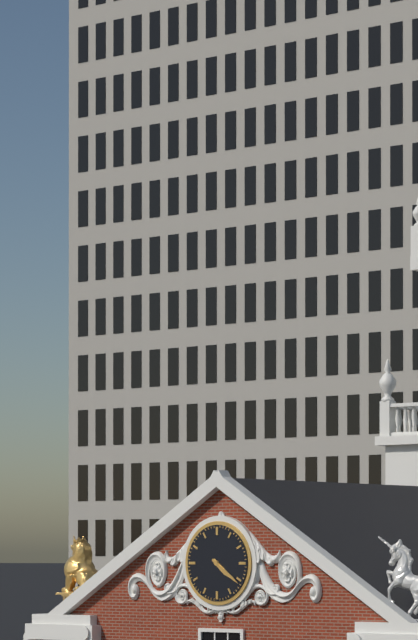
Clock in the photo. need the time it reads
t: 4:21
